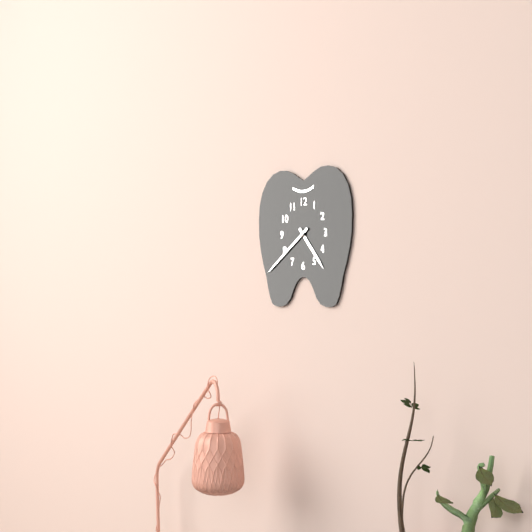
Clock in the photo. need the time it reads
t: 4:39
